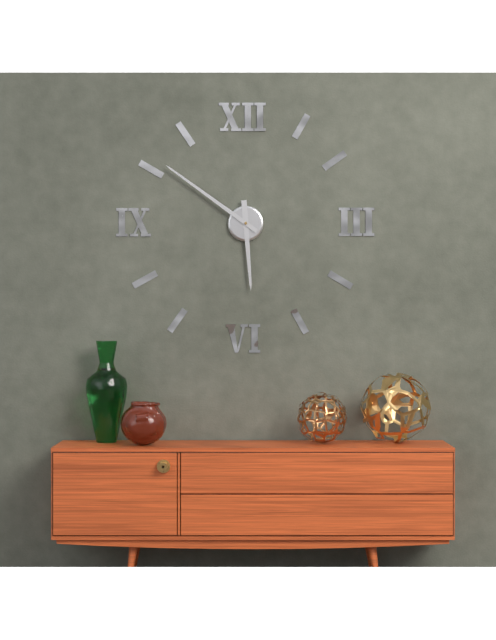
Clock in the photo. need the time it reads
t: 5:51
